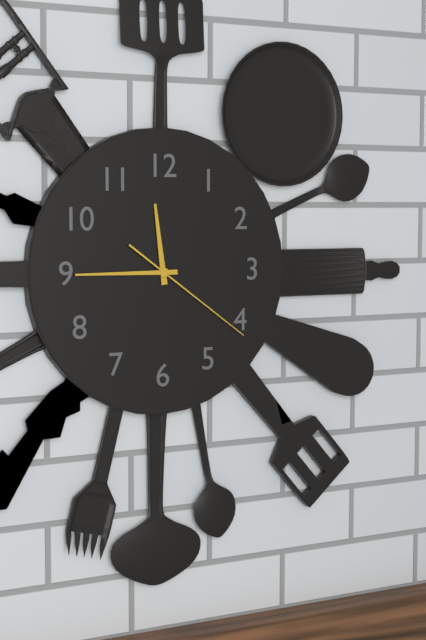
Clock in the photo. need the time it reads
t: 11:45:21
